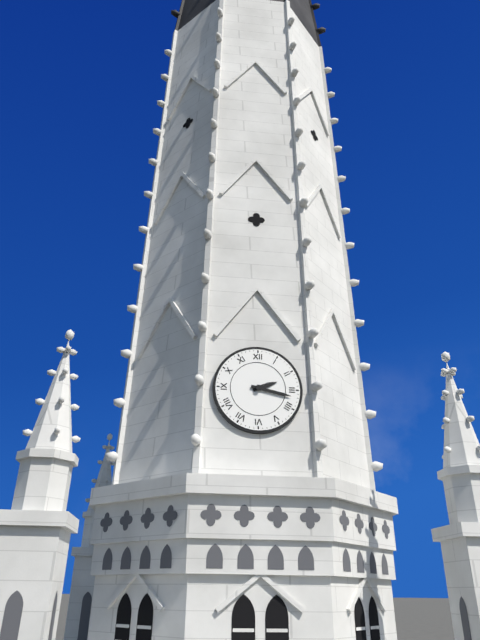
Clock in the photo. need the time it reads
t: 2:17
